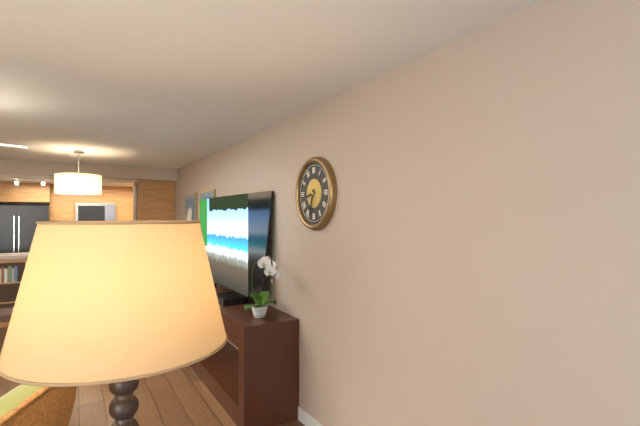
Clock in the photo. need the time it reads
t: 8:33
